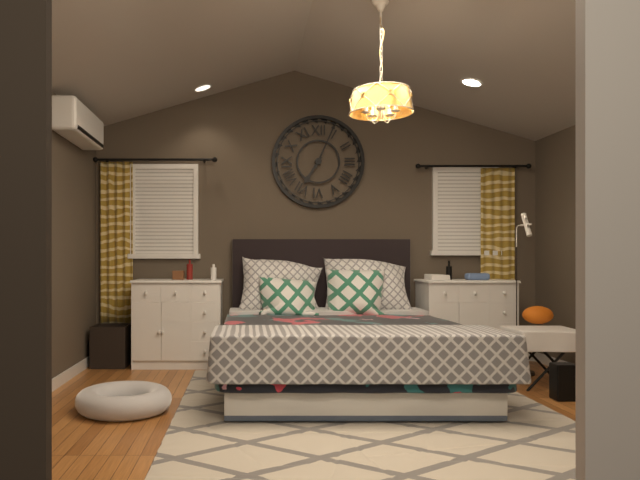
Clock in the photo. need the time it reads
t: 7:04
